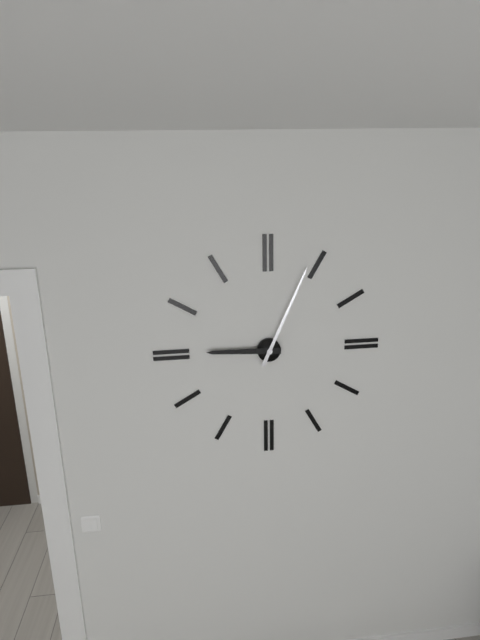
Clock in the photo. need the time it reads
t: 9:04
